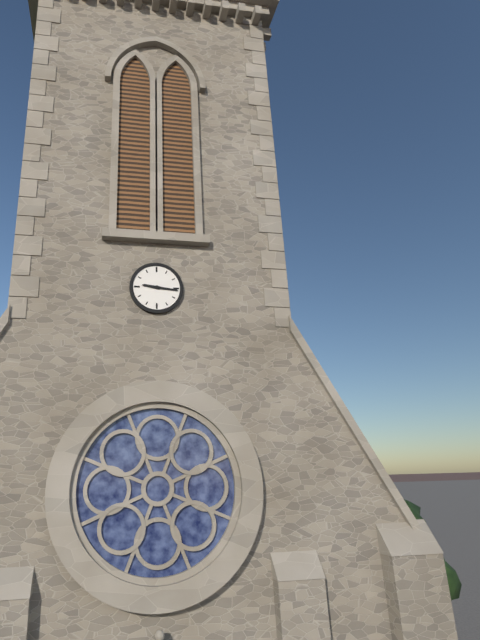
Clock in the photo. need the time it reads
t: 9:16
